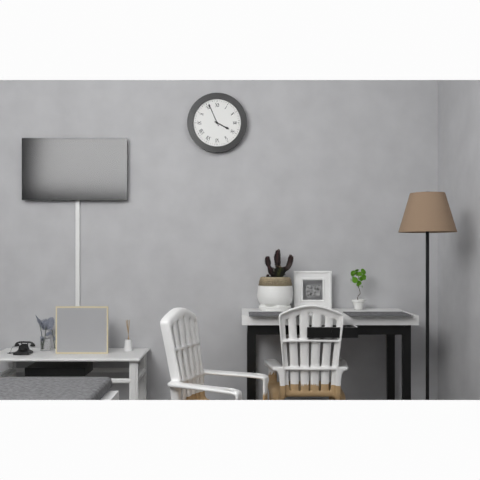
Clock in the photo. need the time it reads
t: 3:56
